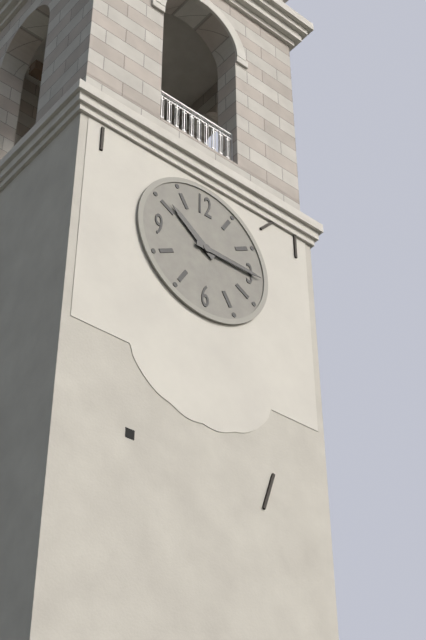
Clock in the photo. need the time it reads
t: 10:15
